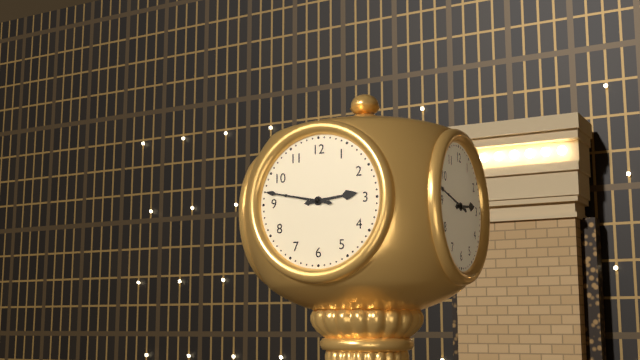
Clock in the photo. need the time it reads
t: 2:47
